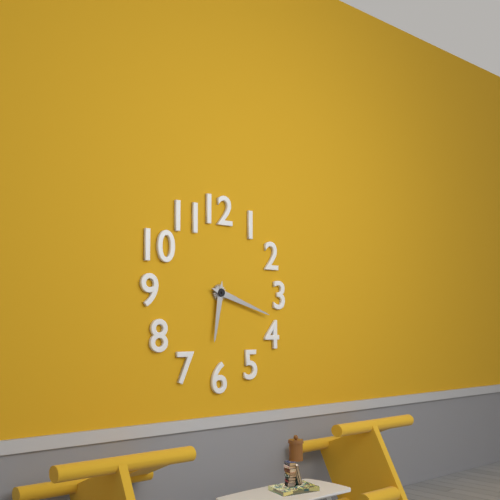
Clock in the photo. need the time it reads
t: 6:18
